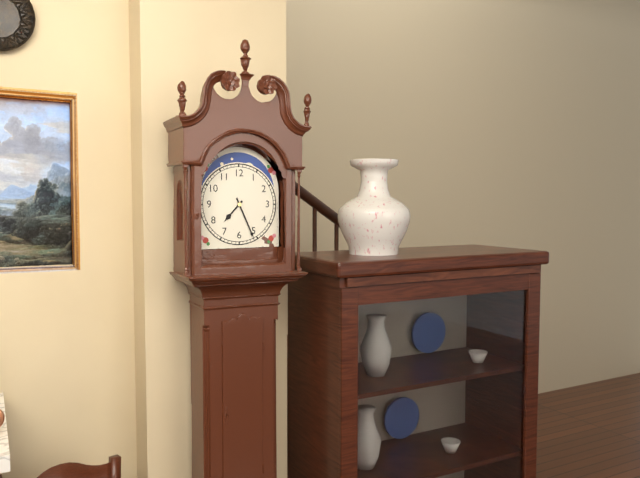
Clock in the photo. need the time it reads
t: 7:26
